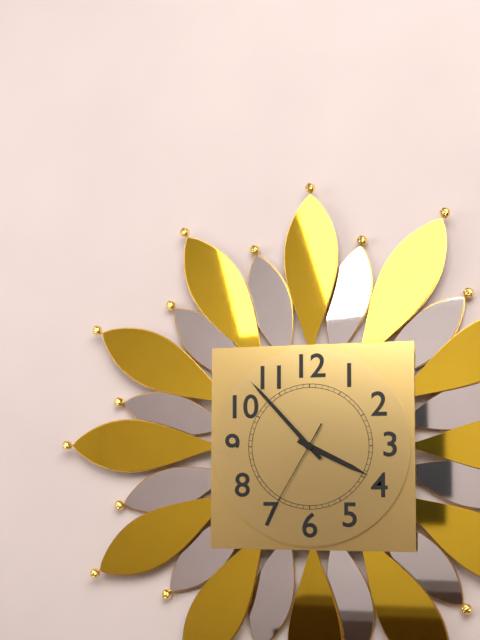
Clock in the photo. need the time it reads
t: 3:53:35
